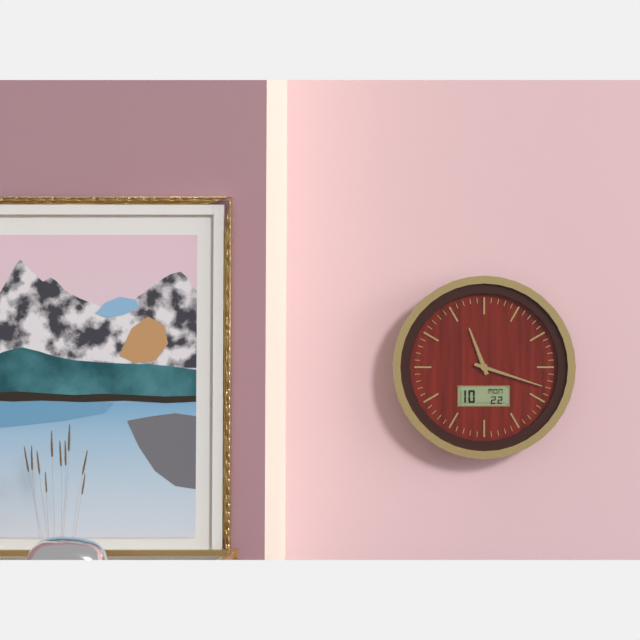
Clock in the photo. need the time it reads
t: 11:18
